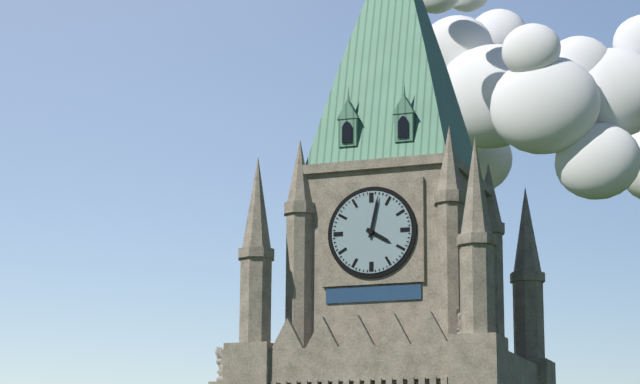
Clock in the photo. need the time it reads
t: 4:02
